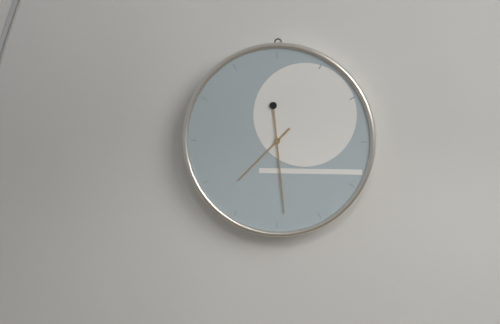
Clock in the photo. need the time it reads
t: 7:29
